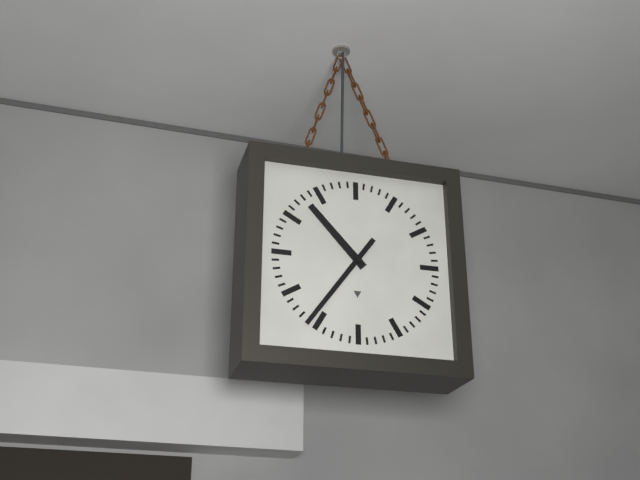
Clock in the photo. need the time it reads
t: 10:36
